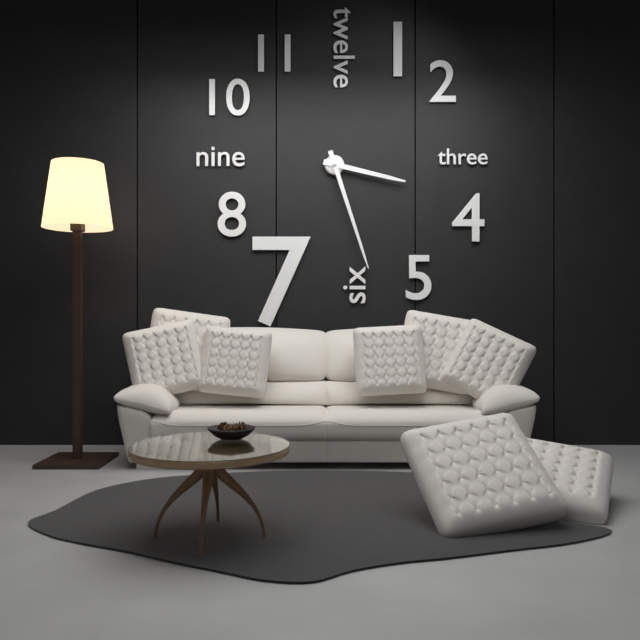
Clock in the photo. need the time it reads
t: 3:27
